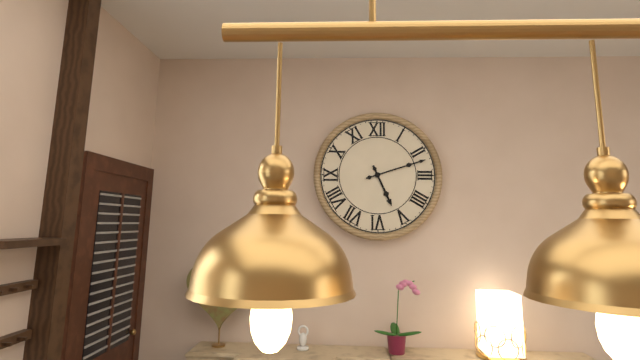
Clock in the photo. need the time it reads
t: 5:12
